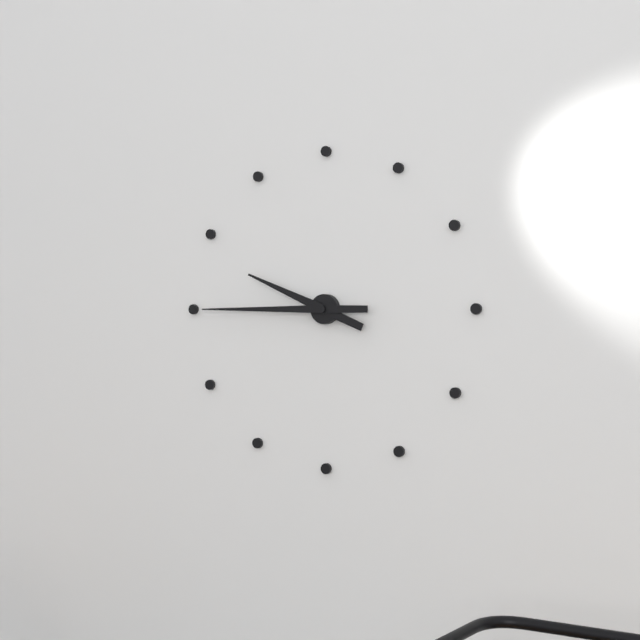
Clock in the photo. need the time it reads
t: 9:45
